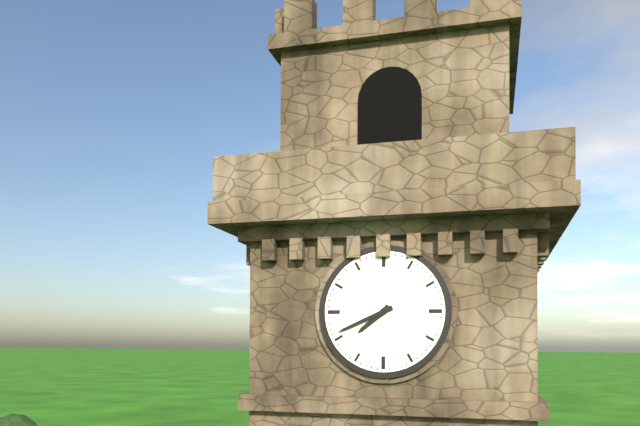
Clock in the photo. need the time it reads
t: 7:41
